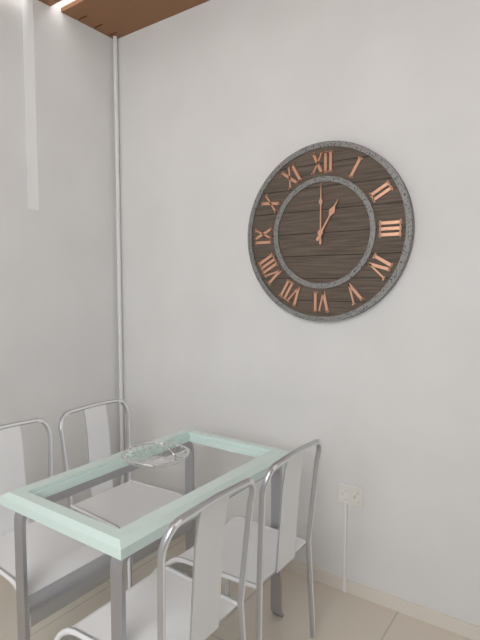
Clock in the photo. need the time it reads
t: 1:00
